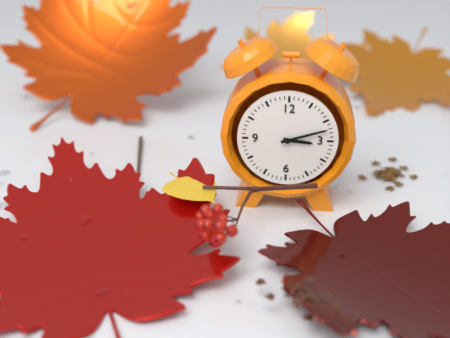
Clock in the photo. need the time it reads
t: 3:12
